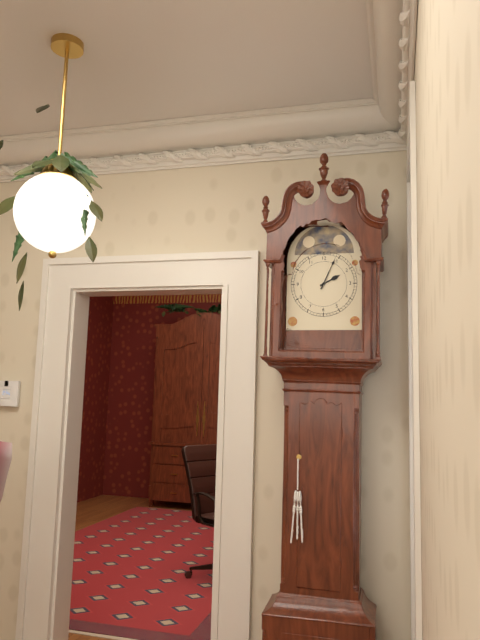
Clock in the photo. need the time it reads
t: 2:04
